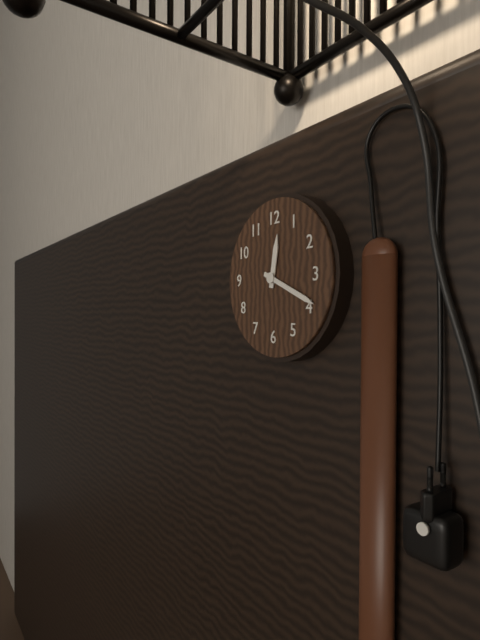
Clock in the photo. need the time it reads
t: 12:19
